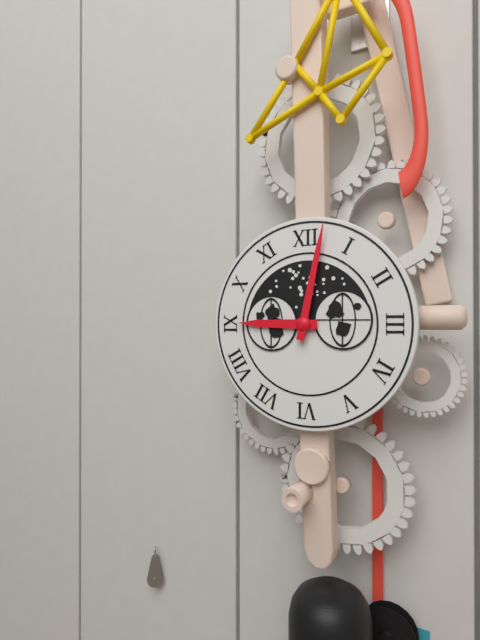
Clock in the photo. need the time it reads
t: 9:02
